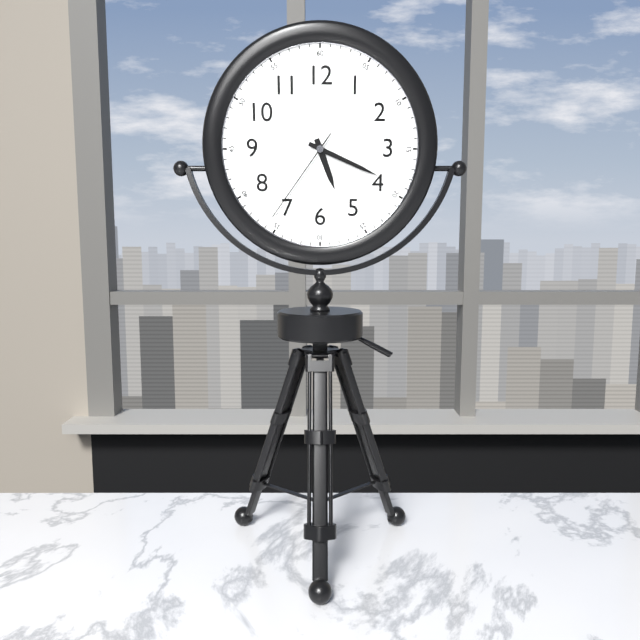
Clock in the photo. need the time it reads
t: 5:19:36
